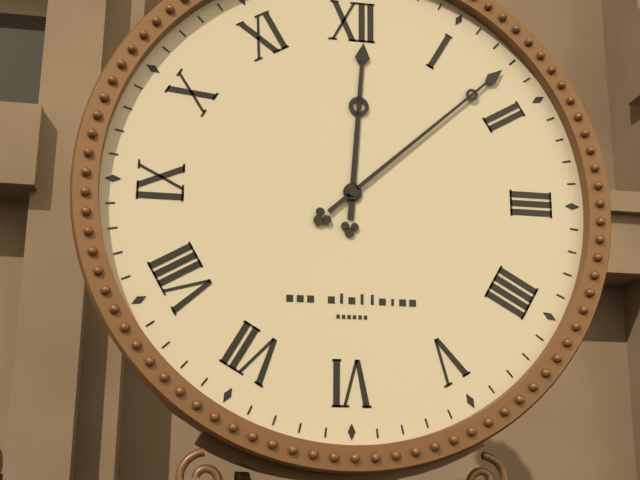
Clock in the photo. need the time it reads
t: 12:08
